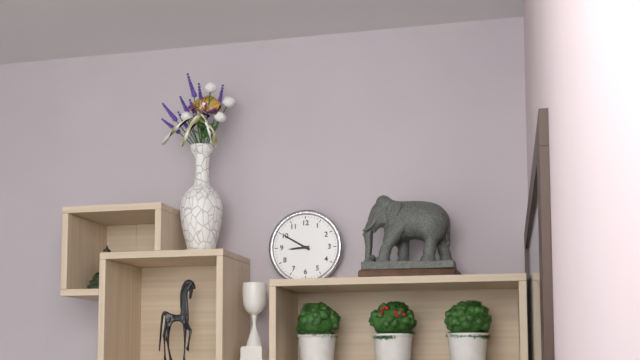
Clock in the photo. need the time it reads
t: 8:50
